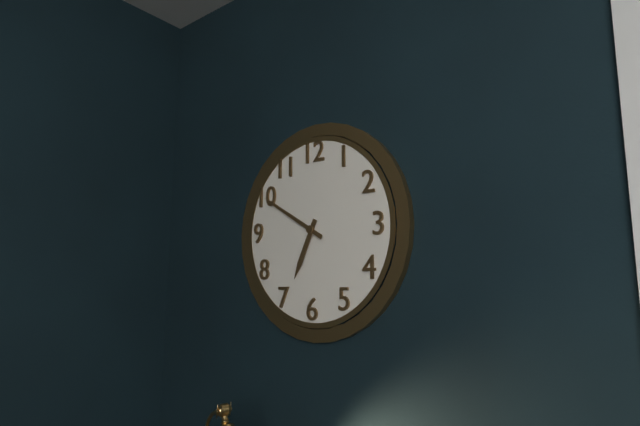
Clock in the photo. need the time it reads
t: 6:50
